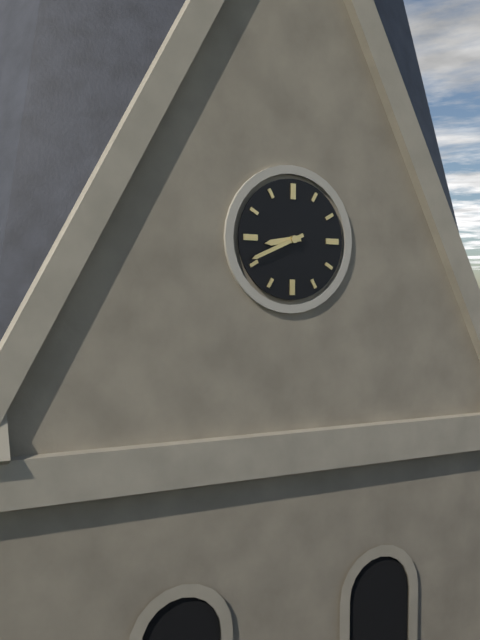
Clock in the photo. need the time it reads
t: 8:41
